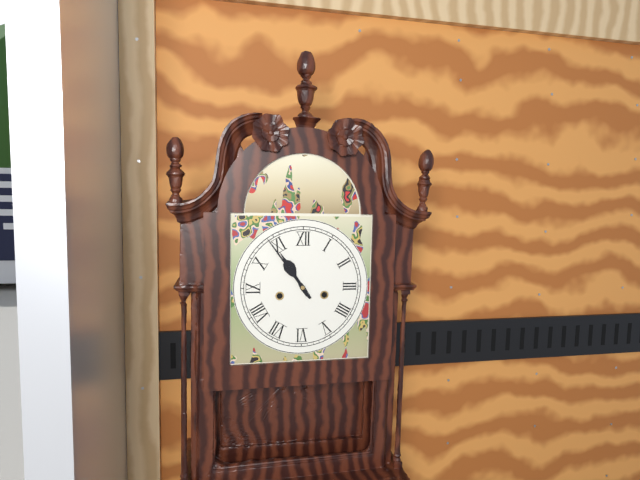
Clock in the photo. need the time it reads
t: 10:54
